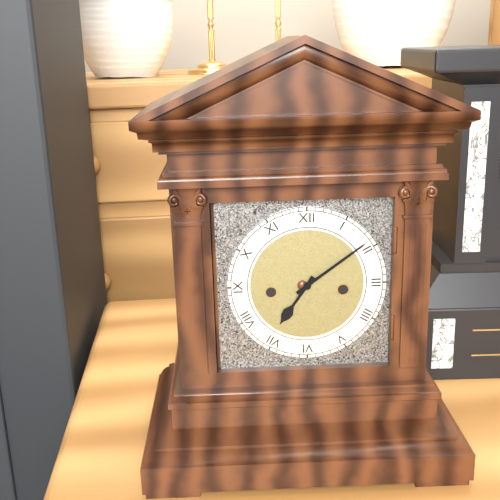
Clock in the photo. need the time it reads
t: 7:09
